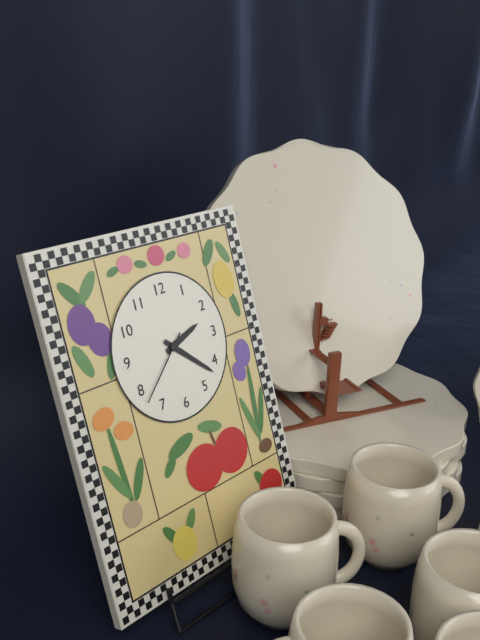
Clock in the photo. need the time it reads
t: 2:22:38
